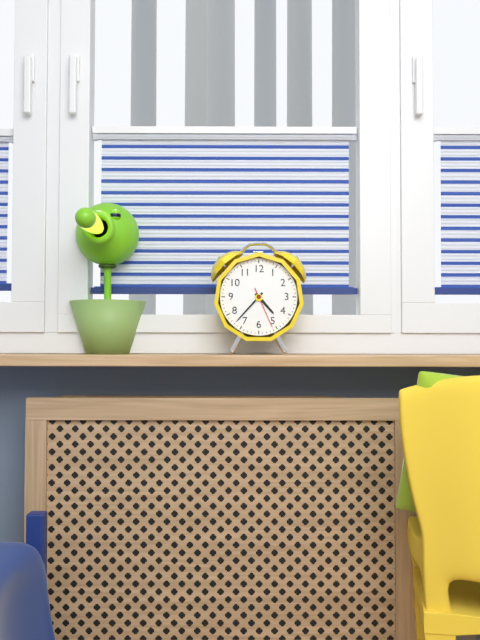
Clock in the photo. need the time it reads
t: 4:37
